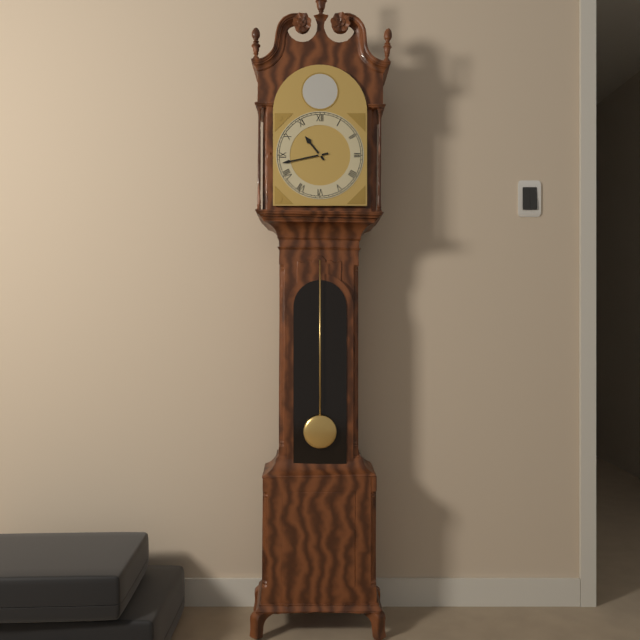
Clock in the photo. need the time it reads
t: 10:43
